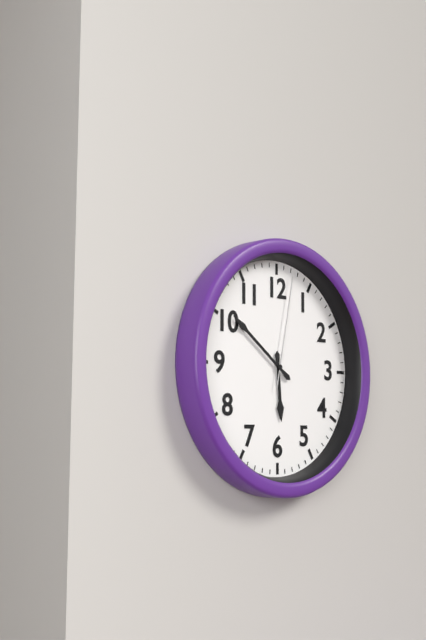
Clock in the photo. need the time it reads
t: 5:51:02
